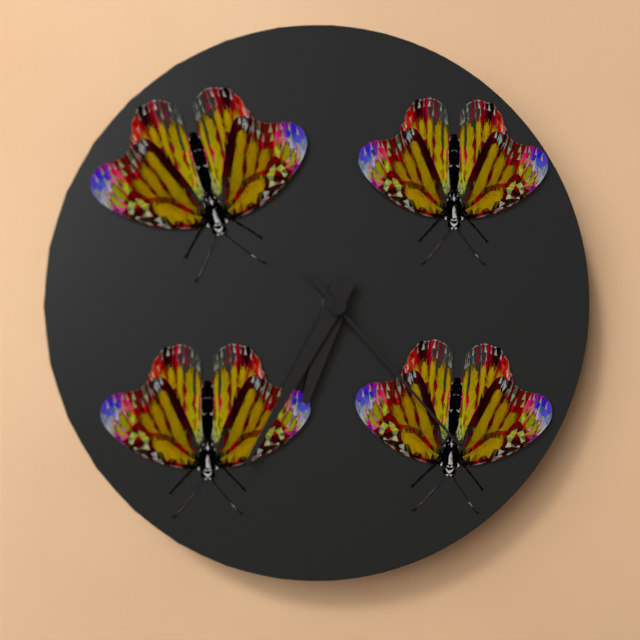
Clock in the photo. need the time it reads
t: 6:35:23
